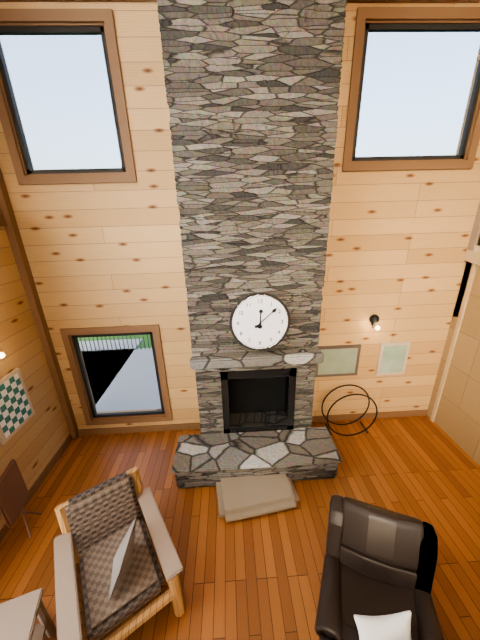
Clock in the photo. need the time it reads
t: 12:08
